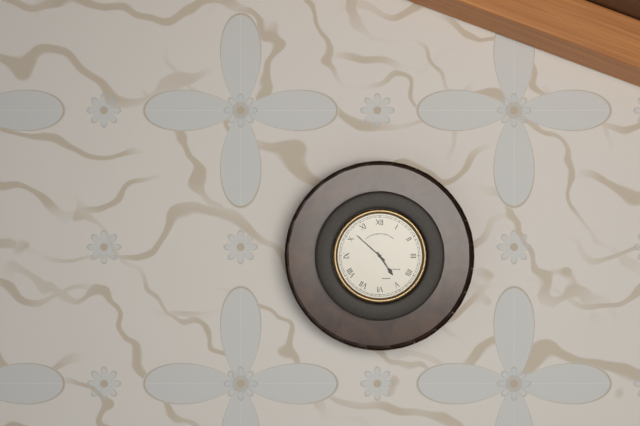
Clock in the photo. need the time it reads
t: 4:52
